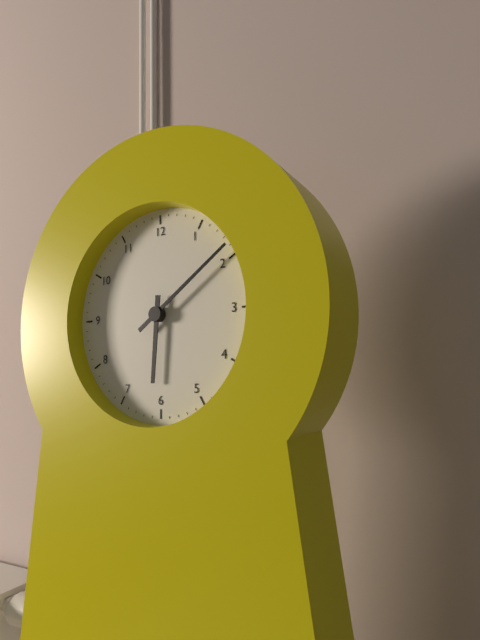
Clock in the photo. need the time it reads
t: 6:09
